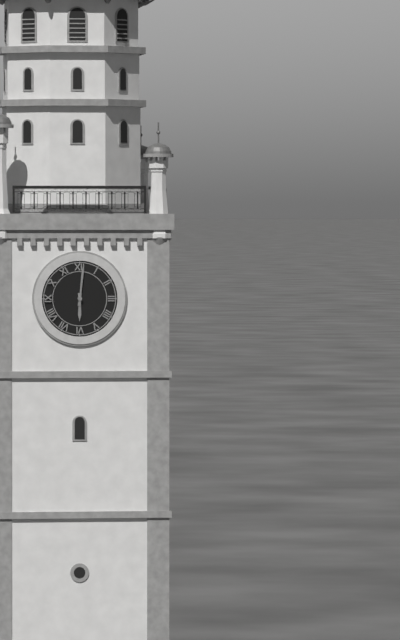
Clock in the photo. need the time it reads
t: 6:01
